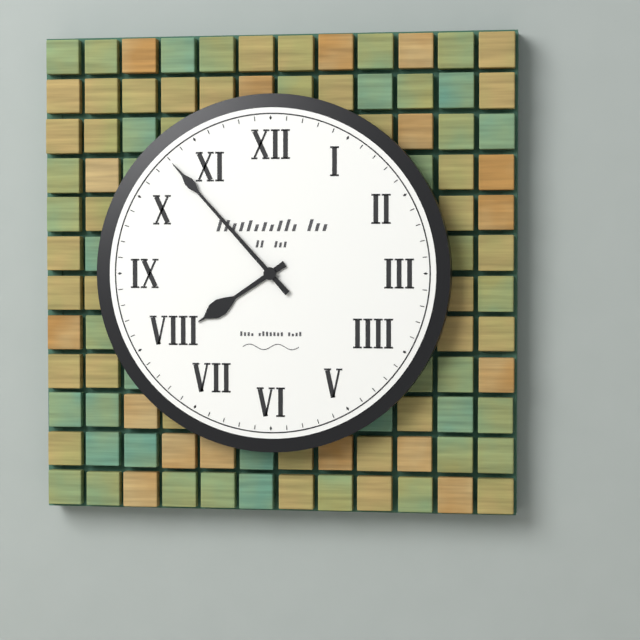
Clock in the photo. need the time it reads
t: 7:53
